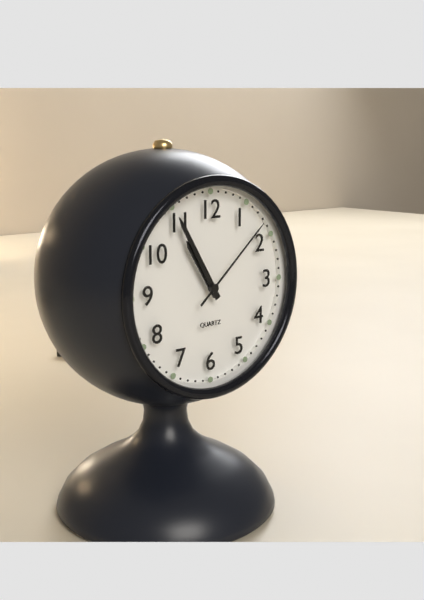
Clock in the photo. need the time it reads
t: 10:55:08
